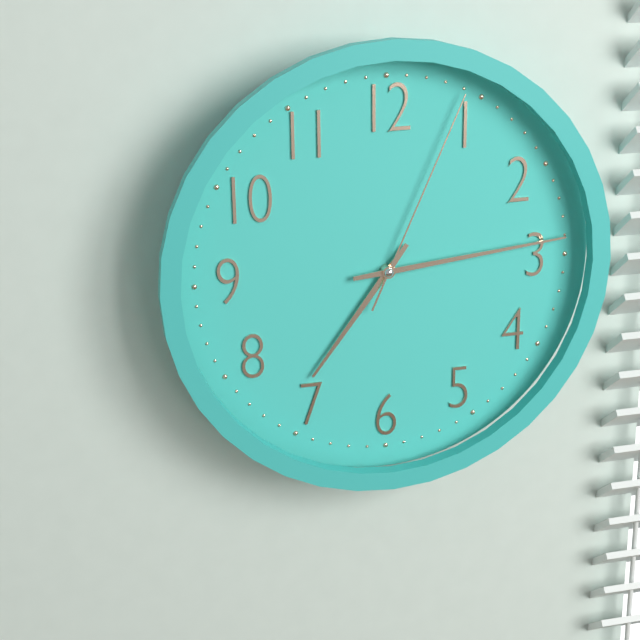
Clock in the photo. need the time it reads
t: 7:14:04
